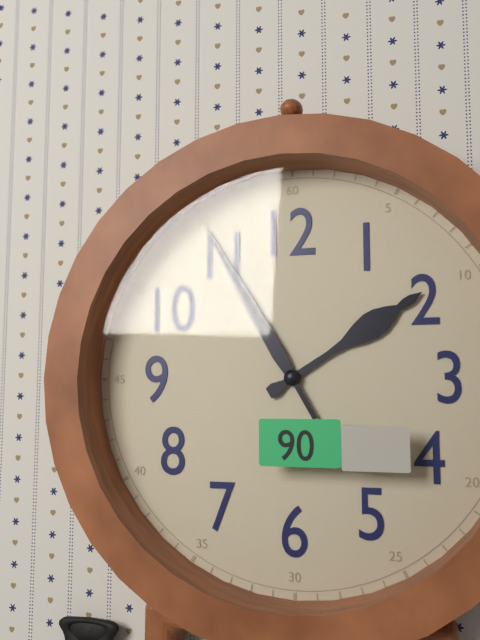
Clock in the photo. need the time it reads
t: 1:55
